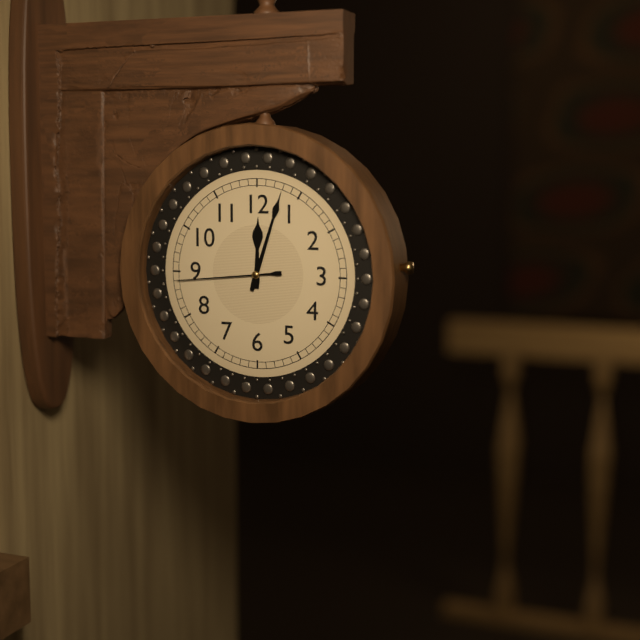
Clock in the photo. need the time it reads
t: 12:03:44
